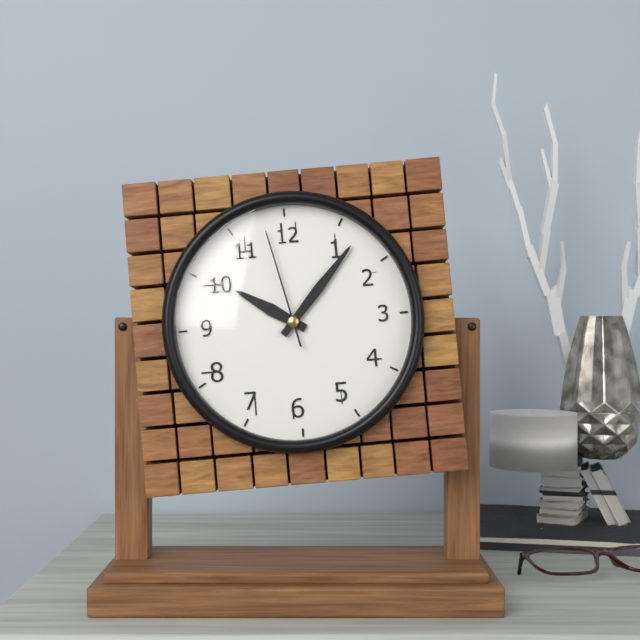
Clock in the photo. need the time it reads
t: 10:07:58
